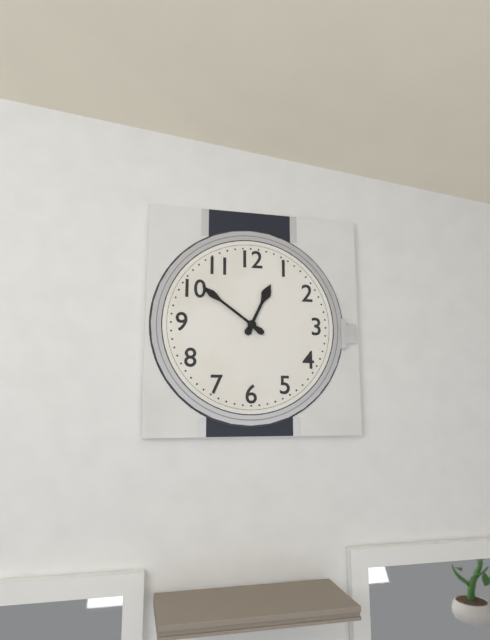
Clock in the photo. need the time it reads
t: 12:51
